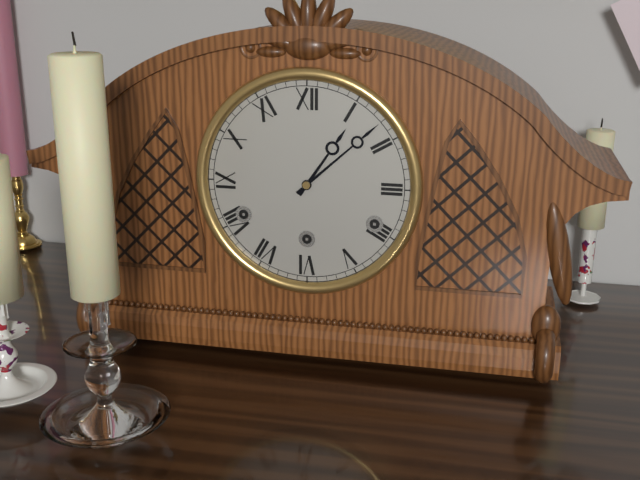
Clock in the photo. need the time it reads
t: 1:08
